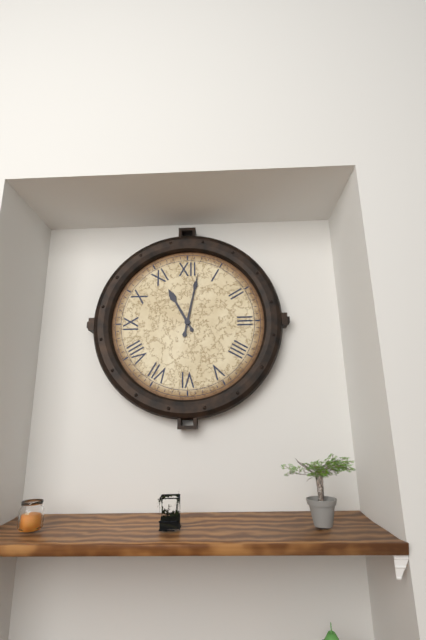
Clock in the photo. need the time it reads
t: 11:02
